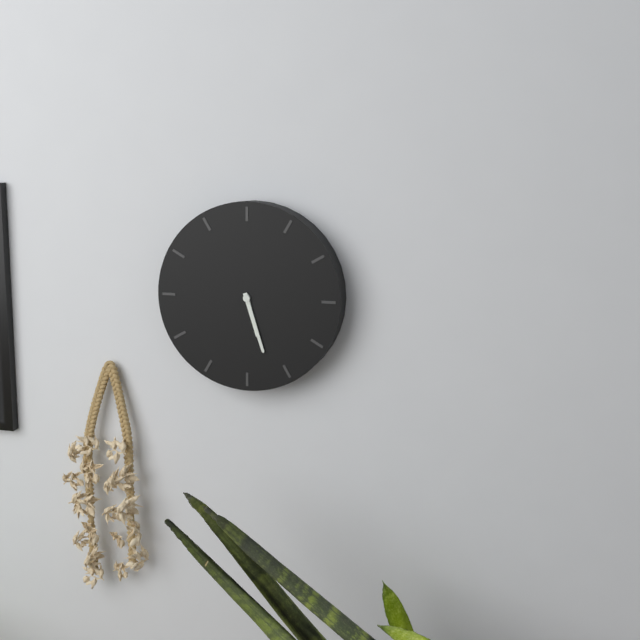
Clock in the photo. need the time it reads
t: 5:27
